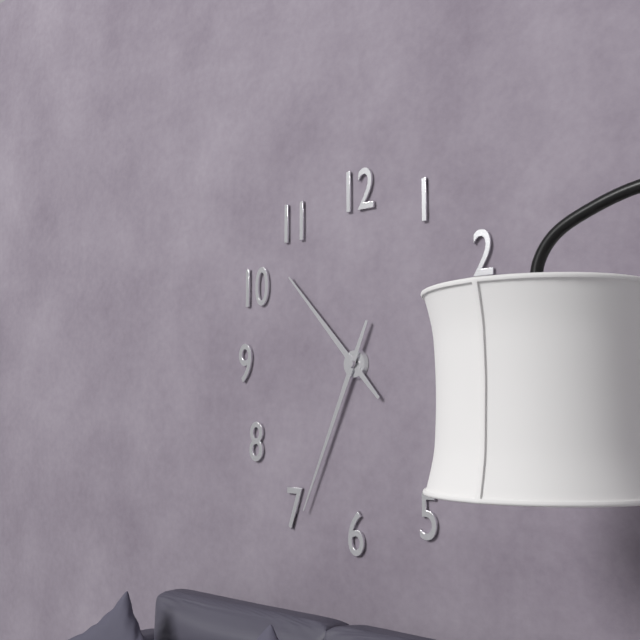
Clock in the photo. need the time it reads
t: 10:34
